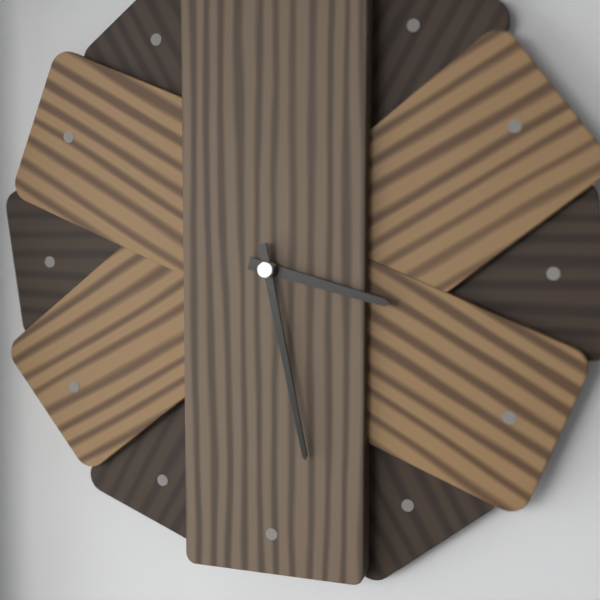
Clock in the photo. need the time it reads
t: 3:28
